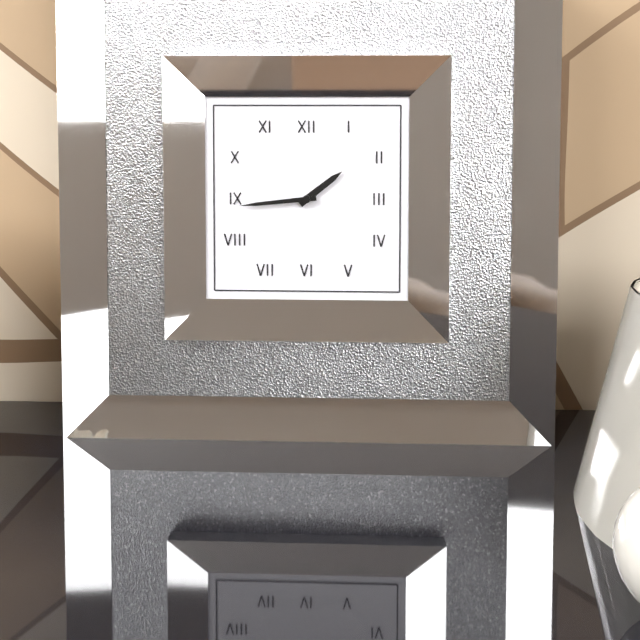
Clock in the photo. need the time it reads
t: 1:44
